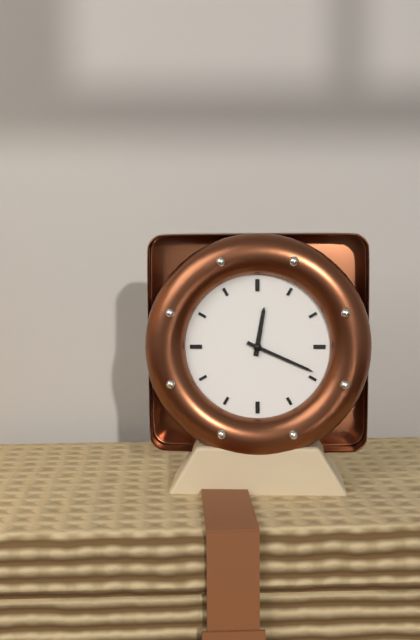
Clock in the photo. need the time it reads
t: 12:19
